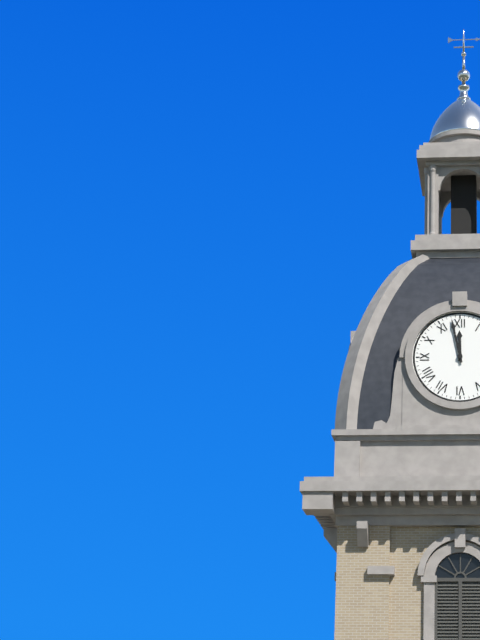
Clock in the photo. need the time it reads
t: 11:58
